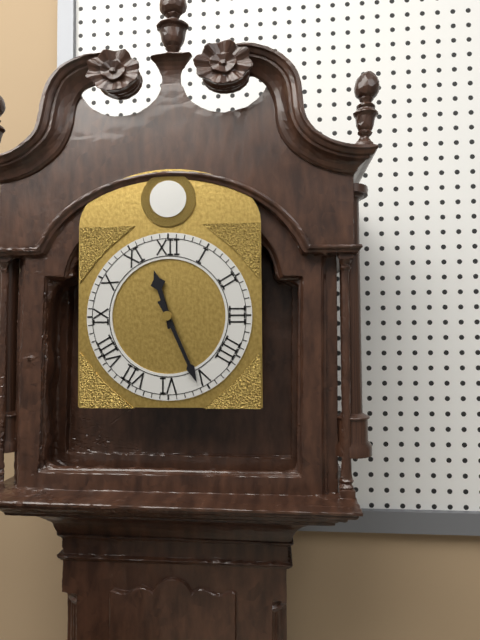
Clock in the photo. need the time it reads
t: 11:26
